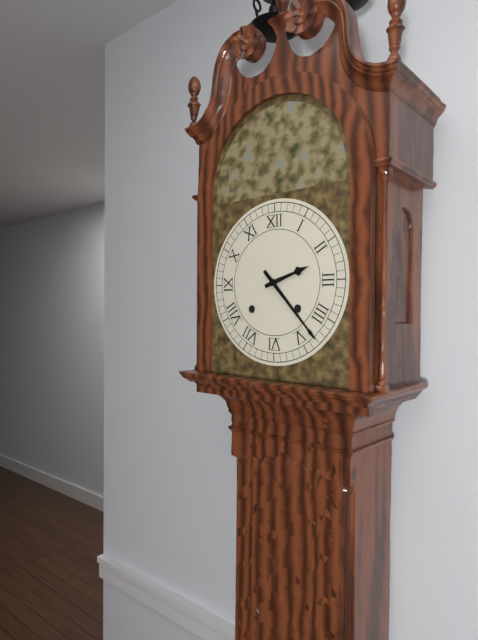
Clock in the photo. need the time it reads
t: 2:23
